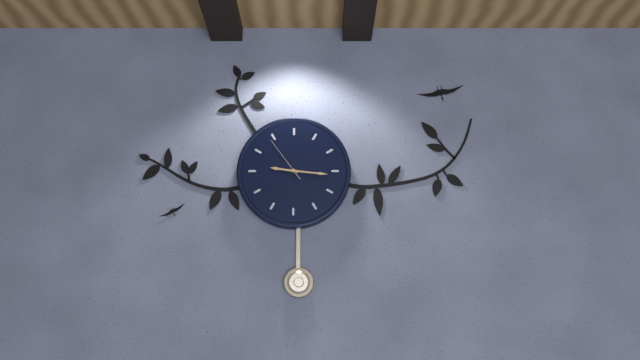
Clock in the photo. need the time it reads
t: 9:16
